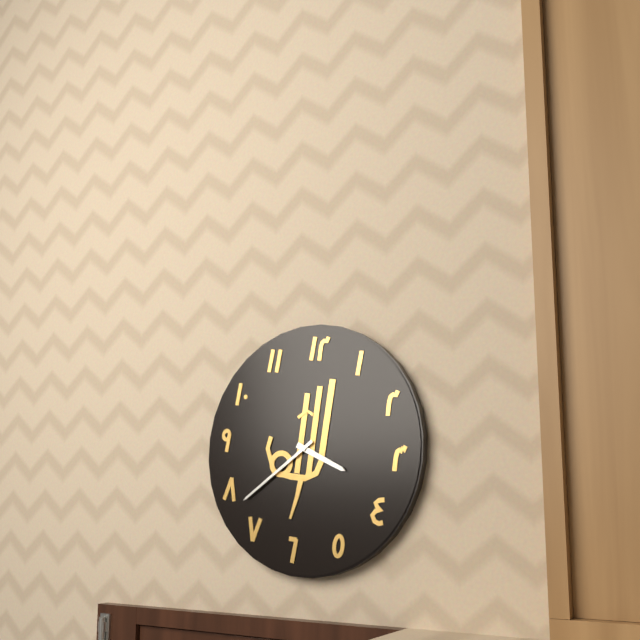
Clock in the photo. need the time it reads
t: 3:38
